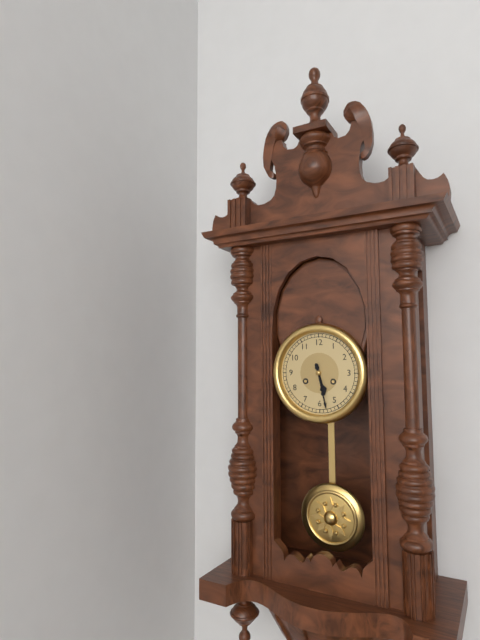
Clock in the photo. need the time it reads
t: 5:28
